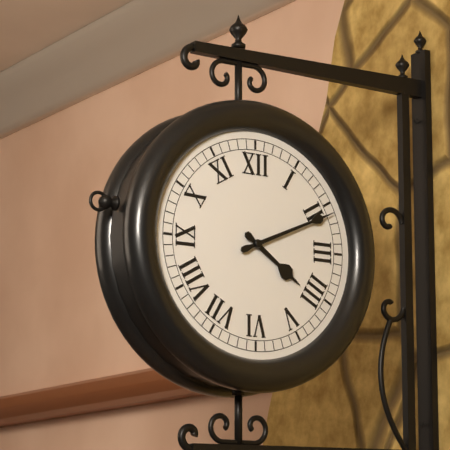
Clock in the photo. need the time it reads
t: 4:11
